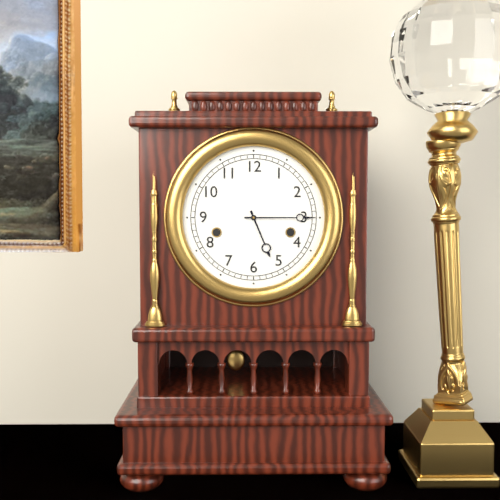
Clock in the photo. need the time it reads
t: 5:15
